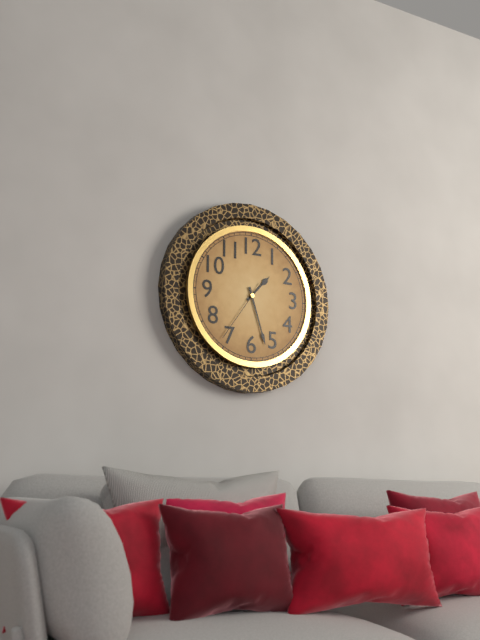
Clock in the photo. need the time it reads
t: 1:27:36
